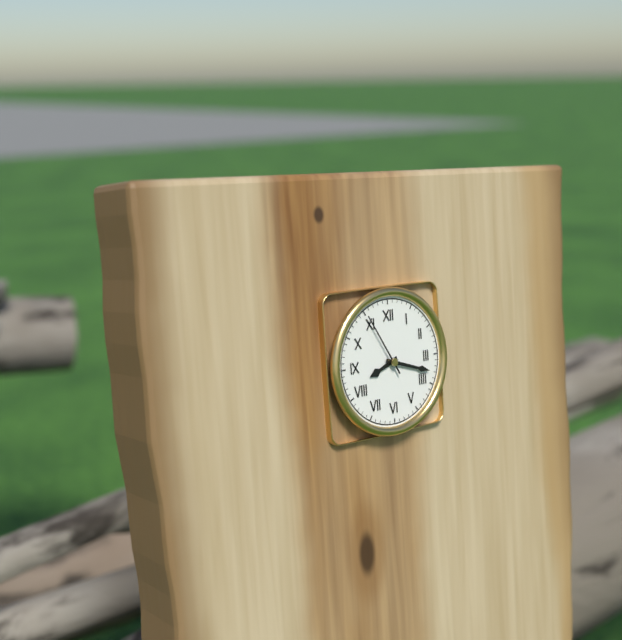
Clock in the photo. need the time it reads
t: 8:18:55
